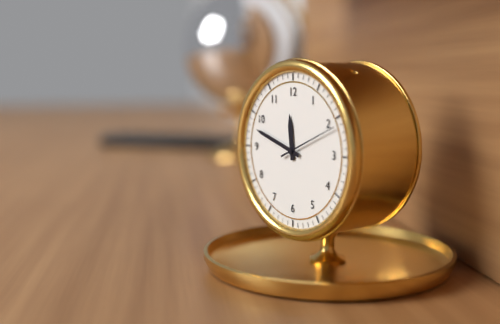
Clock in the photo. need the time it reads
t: 11:48:11
